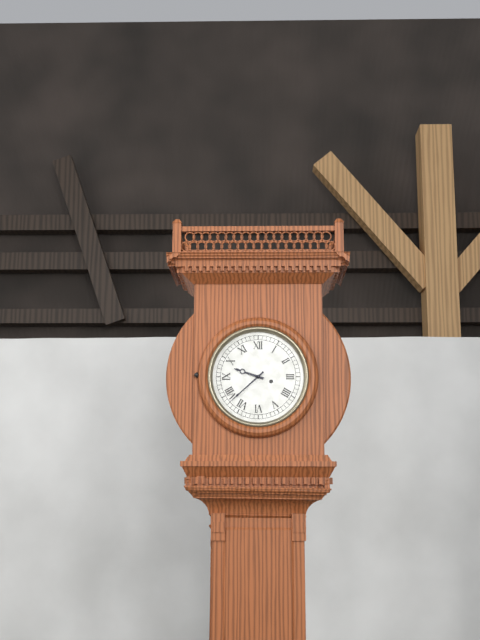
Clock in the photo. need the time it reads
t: 9:38
